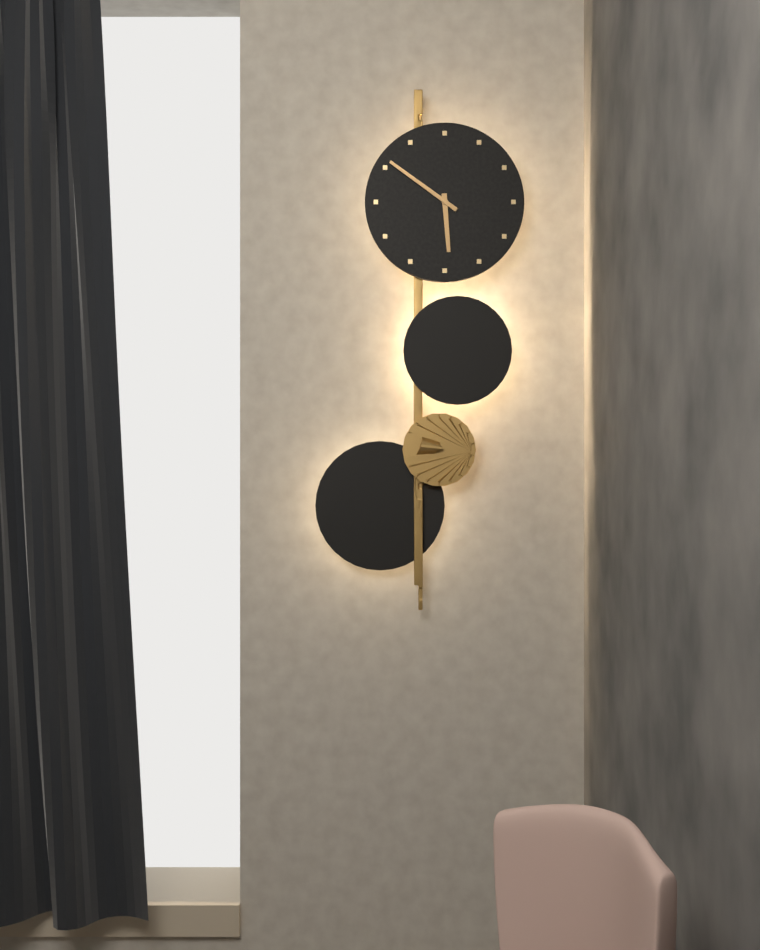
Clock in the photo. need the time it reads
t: 5:51
